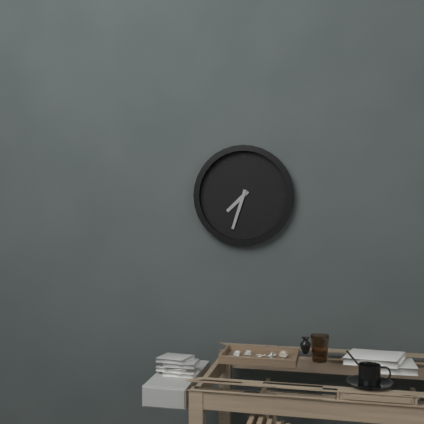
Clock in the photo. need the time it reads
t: 7:33
